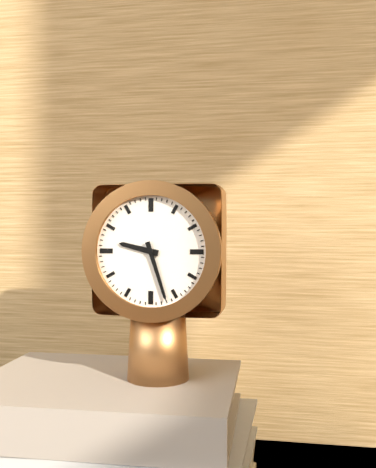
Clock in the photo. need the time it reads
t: 9:27
